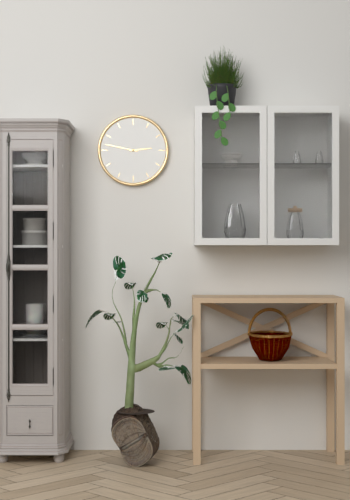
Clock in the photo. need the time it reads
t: 2:47
